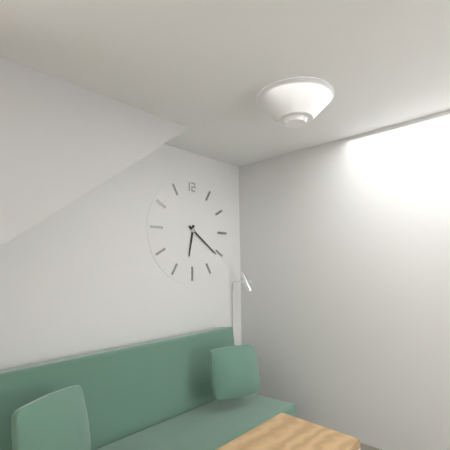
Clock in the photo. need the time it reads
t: 6:21
